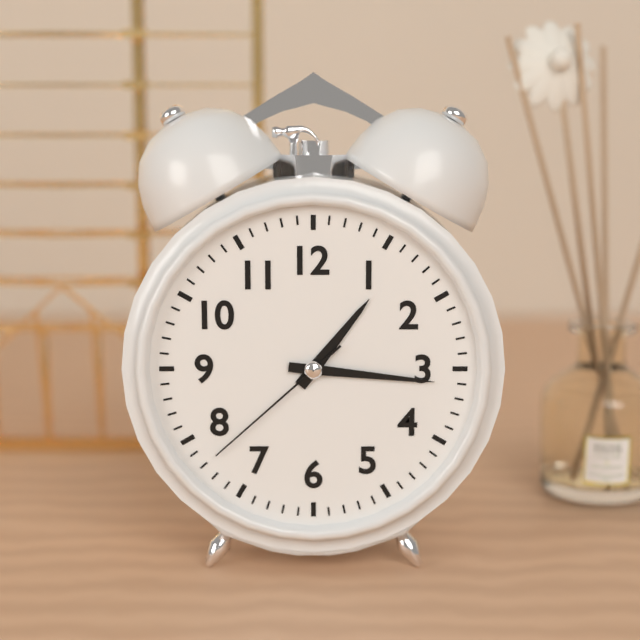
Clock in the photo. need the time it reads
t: 1:16:38
